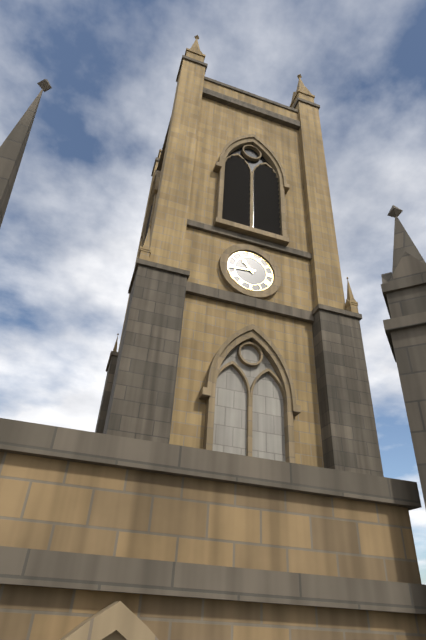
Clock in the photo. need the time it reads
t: 10:44
